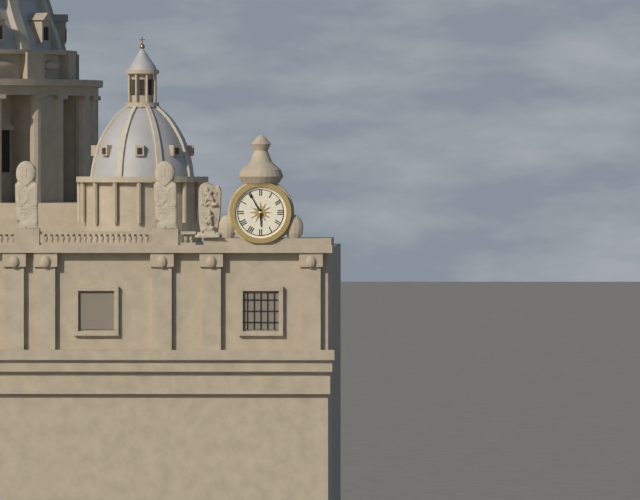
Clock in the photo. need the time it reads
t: 5:55
